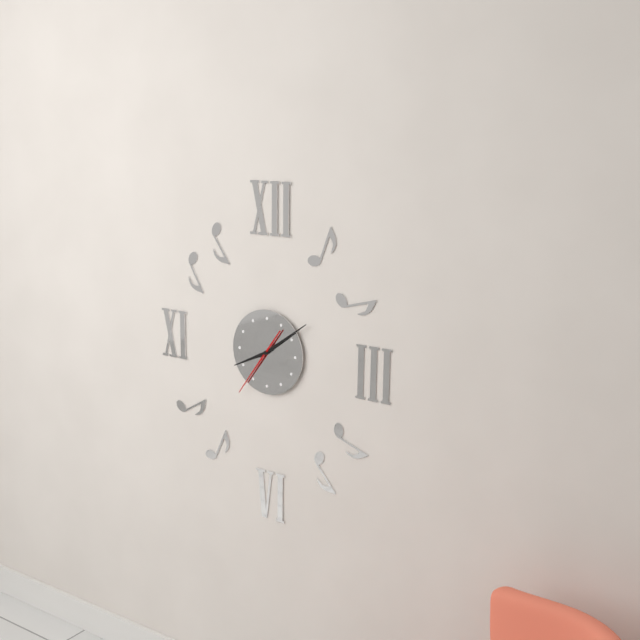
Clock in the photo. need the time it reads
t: 8:09:36
